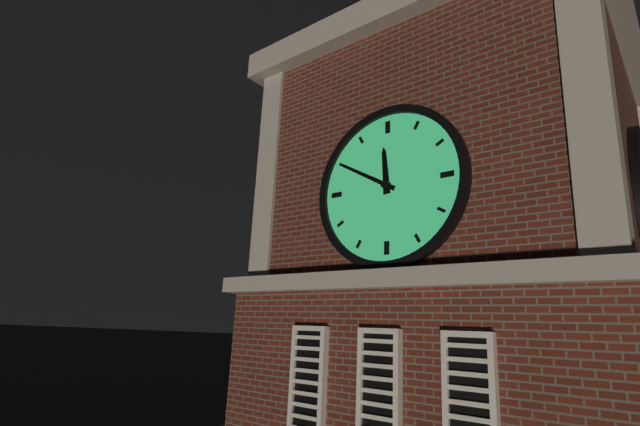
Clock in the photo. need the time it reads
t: 11:50
